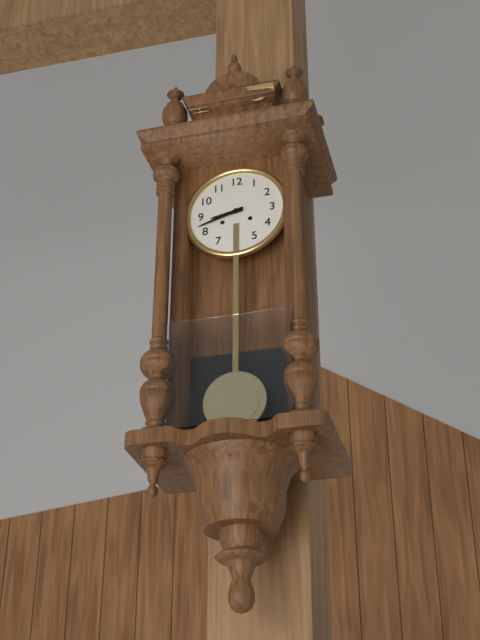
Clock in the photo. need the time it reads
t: 8:42
